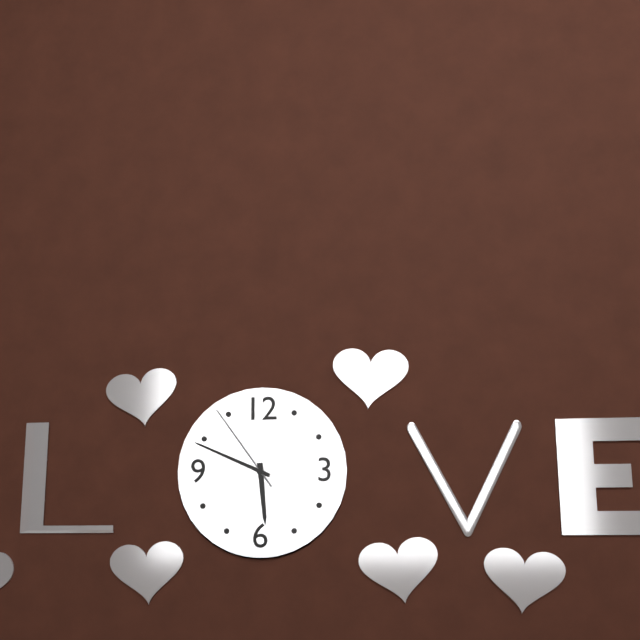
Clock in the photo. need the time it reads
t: 5:49:54
